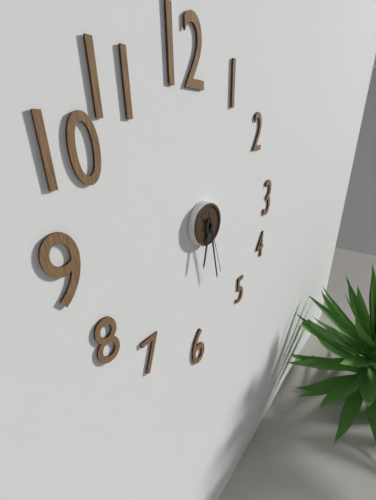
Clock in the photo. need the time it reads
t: 6:28:27
